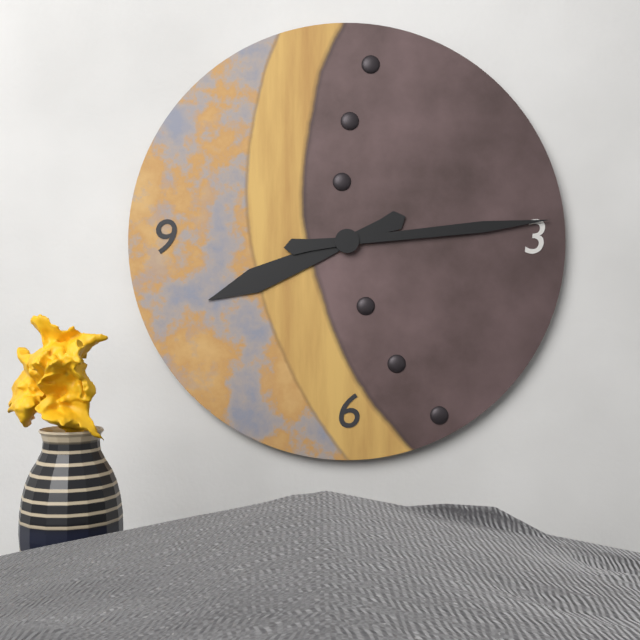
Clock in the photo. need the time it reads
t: 8:14
